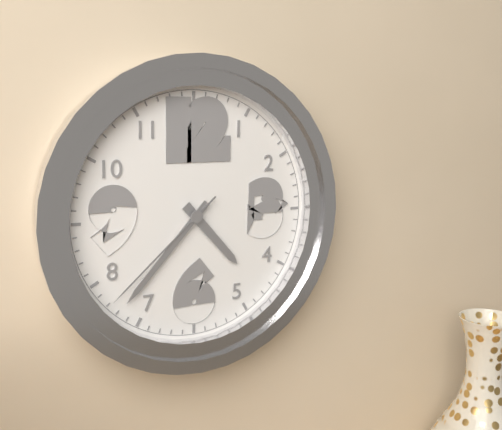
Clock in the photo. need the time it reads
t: 4:37:38
